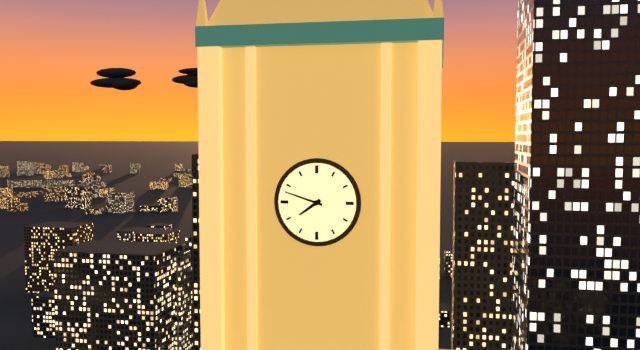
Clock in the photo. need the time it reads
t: 7:48
